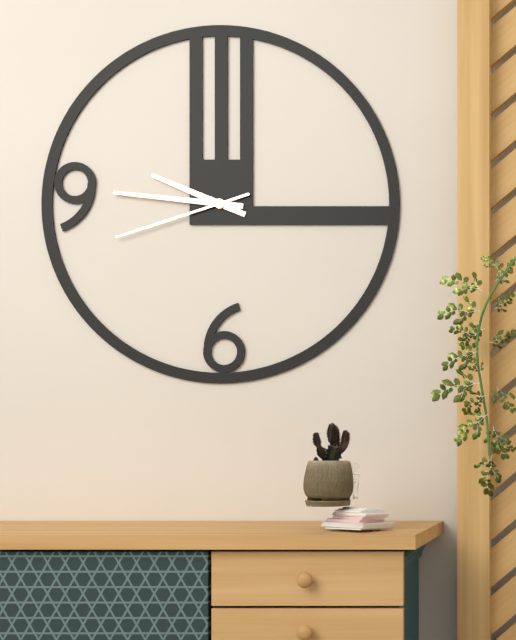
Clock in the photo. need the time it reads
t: 9:46:42
